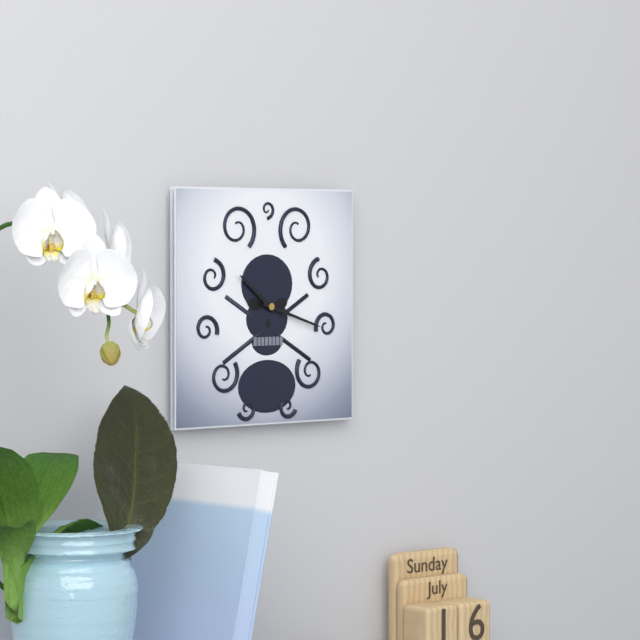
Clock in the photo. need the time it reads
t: 10:18
